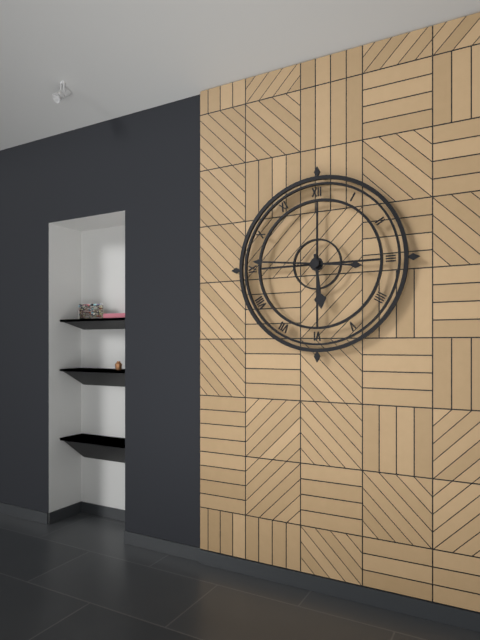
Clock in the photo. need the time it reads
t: 5:46
